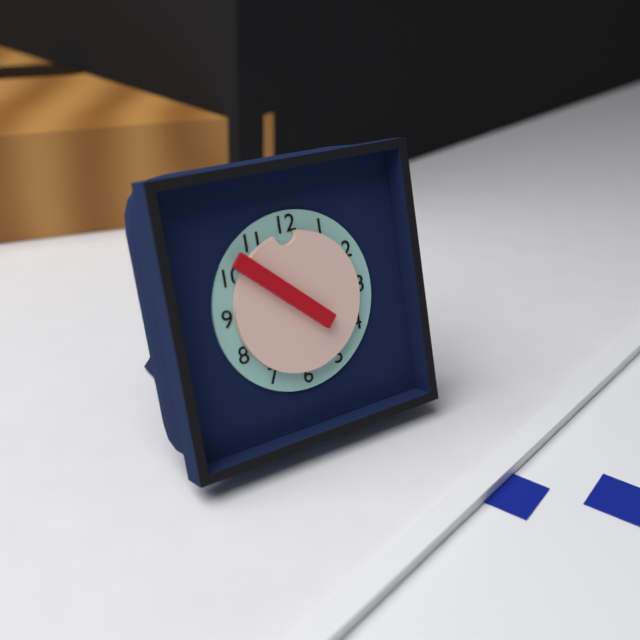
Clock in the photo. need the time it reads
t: 11:52
